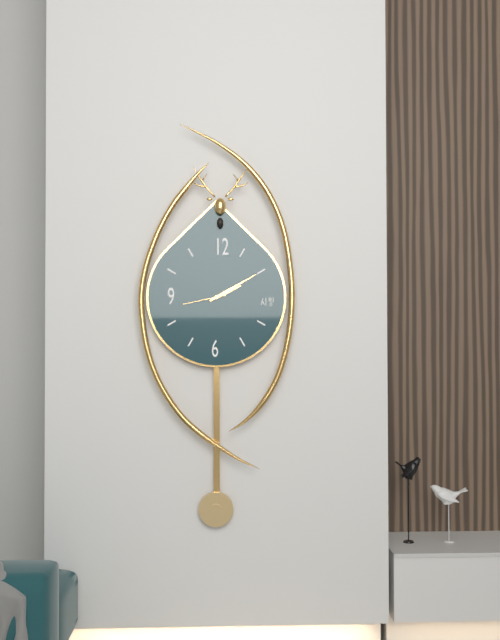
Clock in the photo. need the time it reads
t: 2:10
